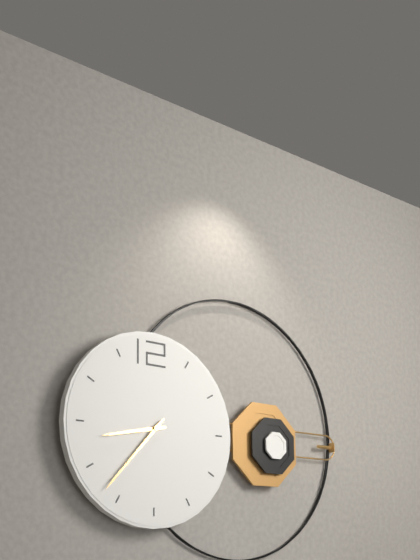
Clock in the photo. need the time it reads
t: 8:37
